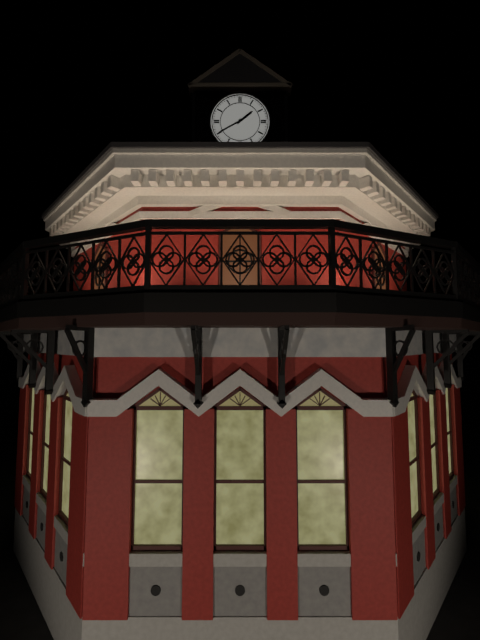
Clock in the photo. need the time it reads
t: 1:40
